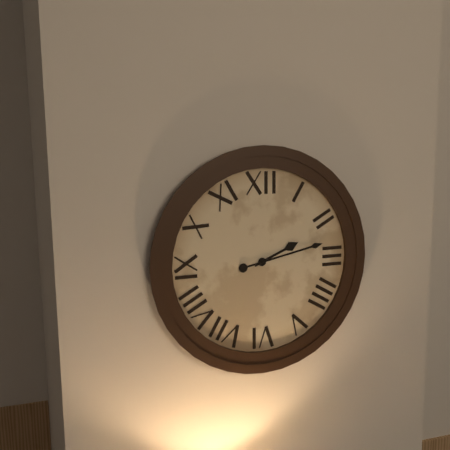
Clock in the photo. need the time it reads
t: 2:13
